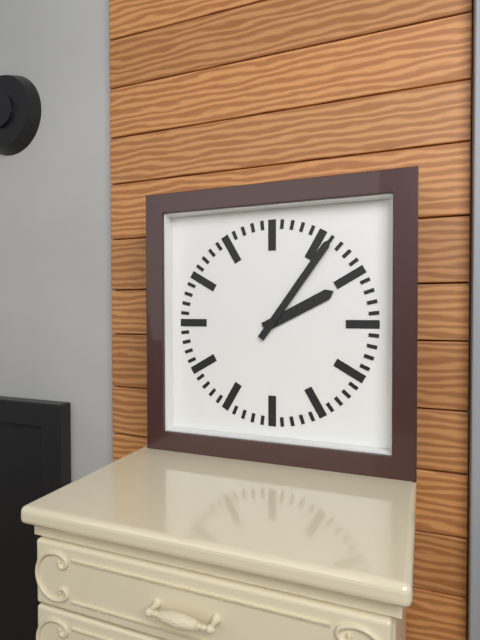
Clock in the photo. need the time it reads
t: 2:06
